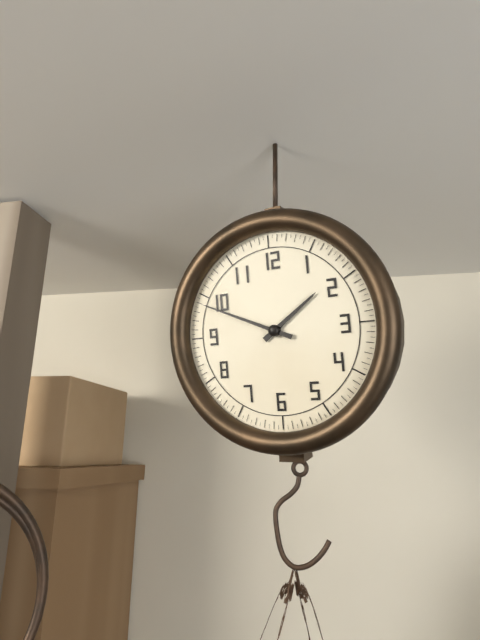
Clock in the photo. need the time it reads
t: 1:49
